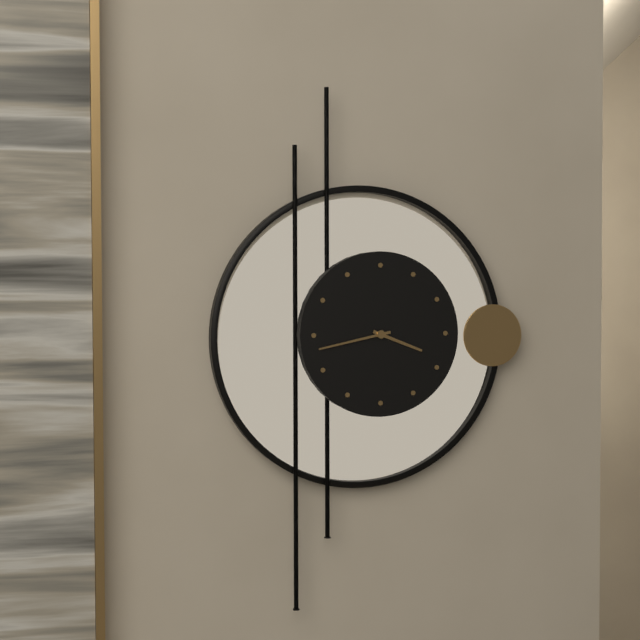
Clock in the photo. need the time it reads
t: 3:43
